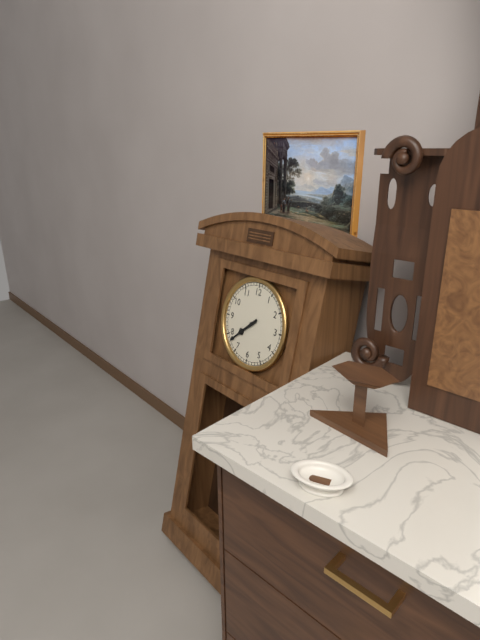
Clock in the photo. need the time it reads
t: 7:38
